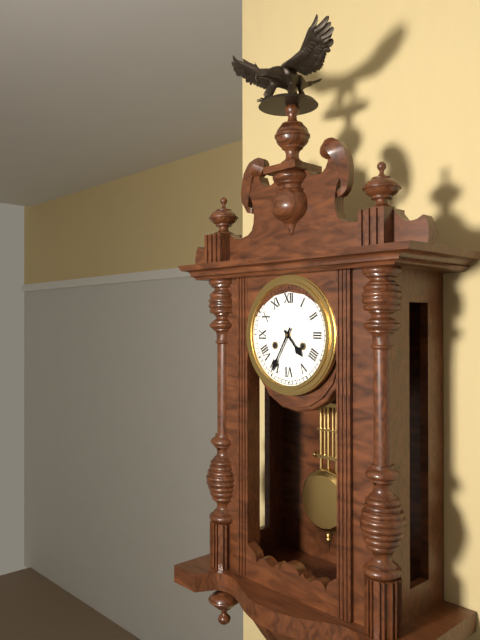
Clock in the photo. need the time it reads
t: 4:35
